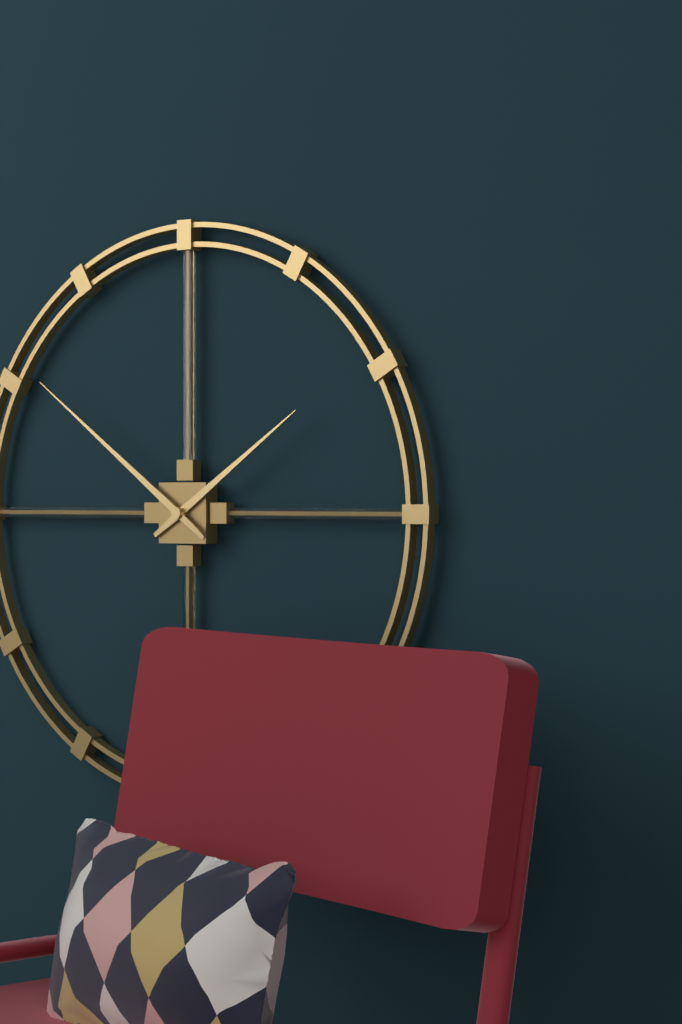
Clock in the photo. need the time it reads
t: 1:51
